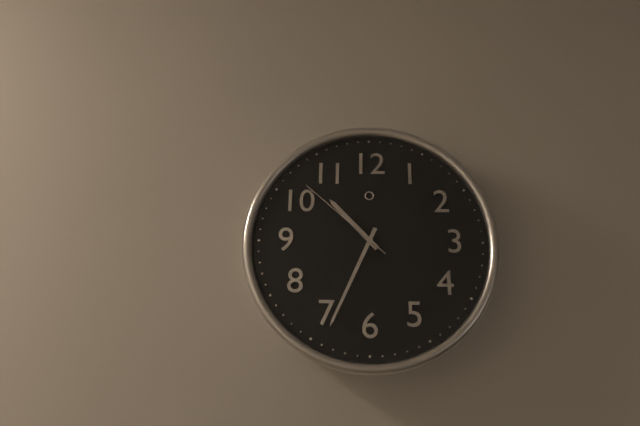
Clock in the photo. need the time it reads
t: 10:34:52
